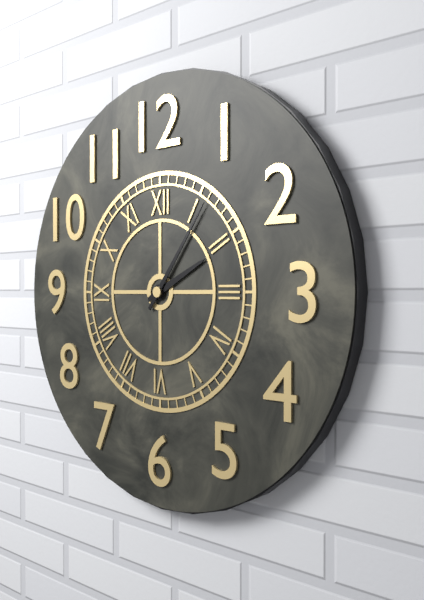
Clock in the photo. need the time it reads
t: 2:06
